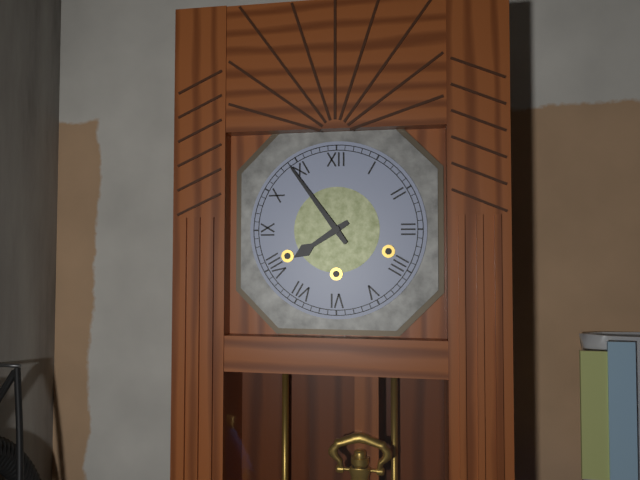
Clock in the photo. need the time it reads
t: 7:54
